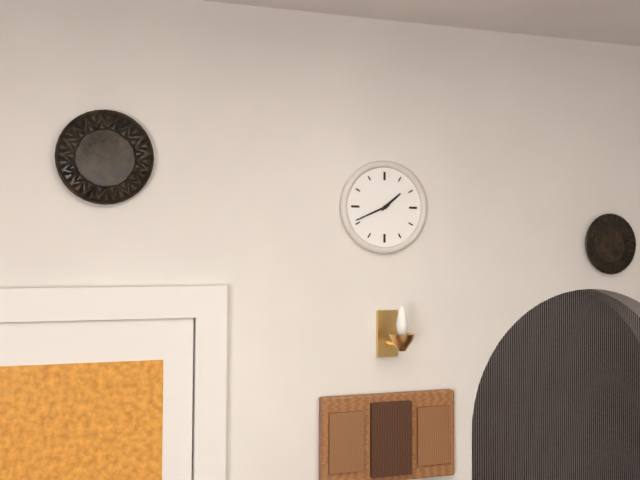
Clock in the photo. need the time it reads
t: 1:41
